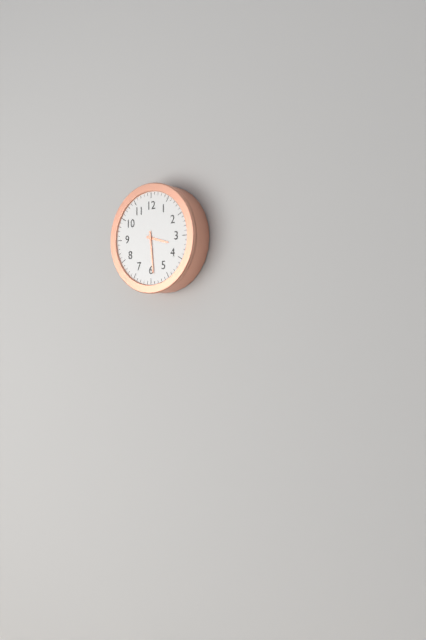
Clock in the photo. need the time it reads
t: 3:29
